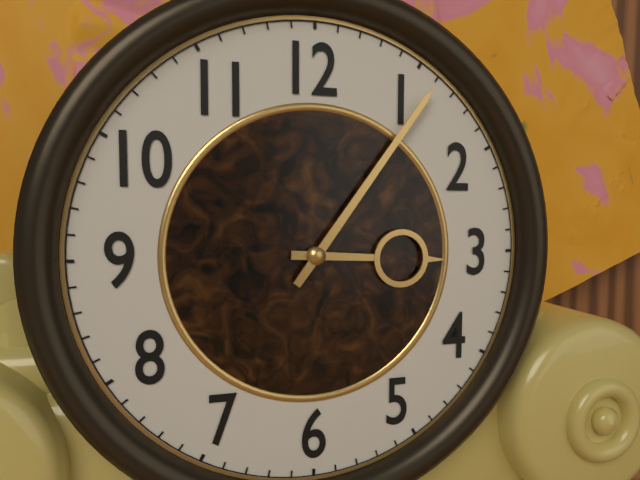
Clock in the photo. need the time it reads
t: 3:06
